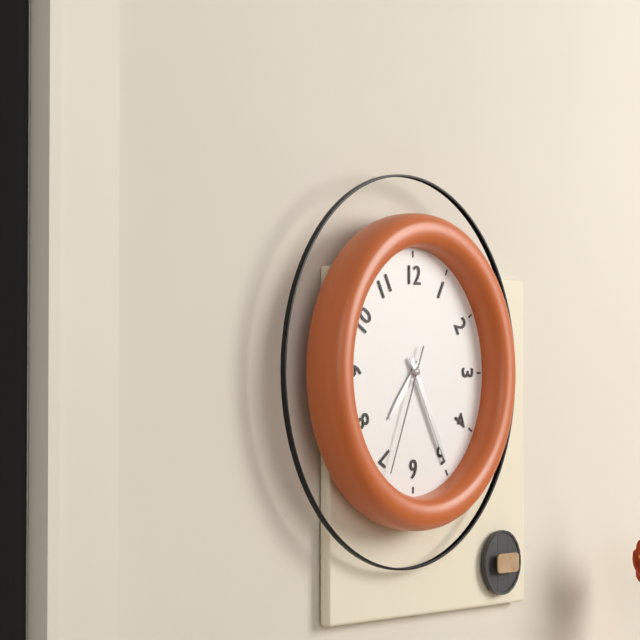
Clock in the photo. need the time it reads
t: 7:25:34
